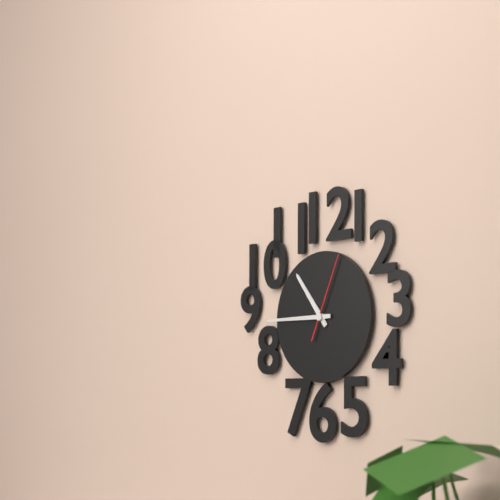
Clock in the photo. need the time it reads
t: 10:45:04
